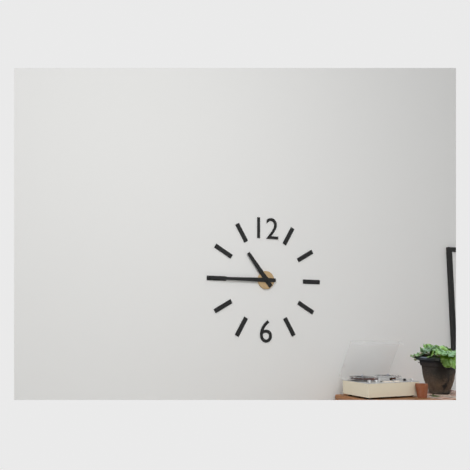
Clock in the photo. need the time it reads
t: 10:45
